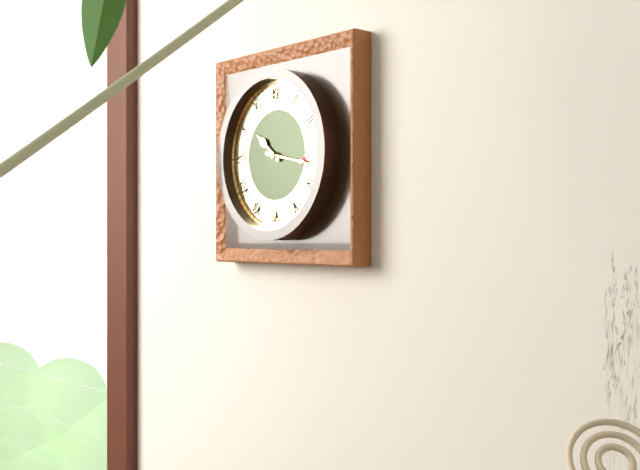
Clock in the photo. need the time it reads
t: 10:17
